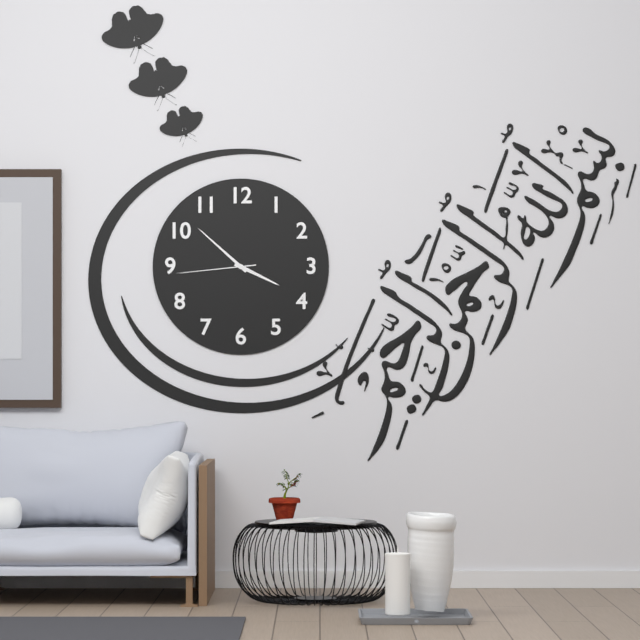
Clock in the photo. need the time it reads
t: 3:52:44
